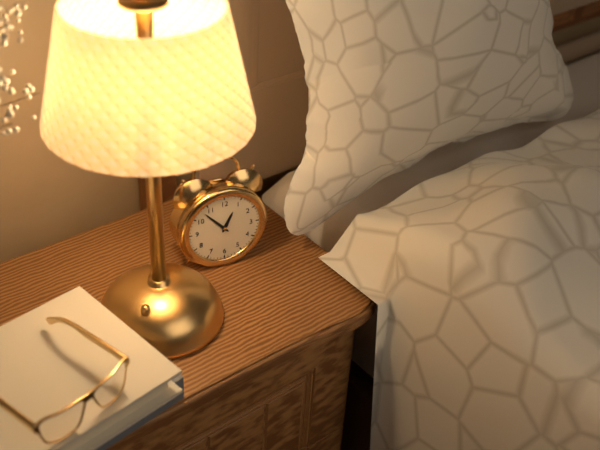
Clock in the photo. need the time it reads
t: 12:53
